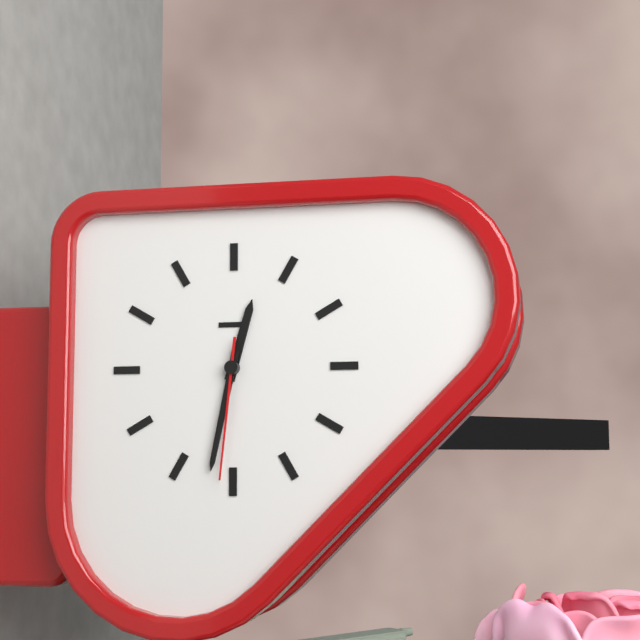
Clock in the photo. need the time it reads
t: 12:32:31
